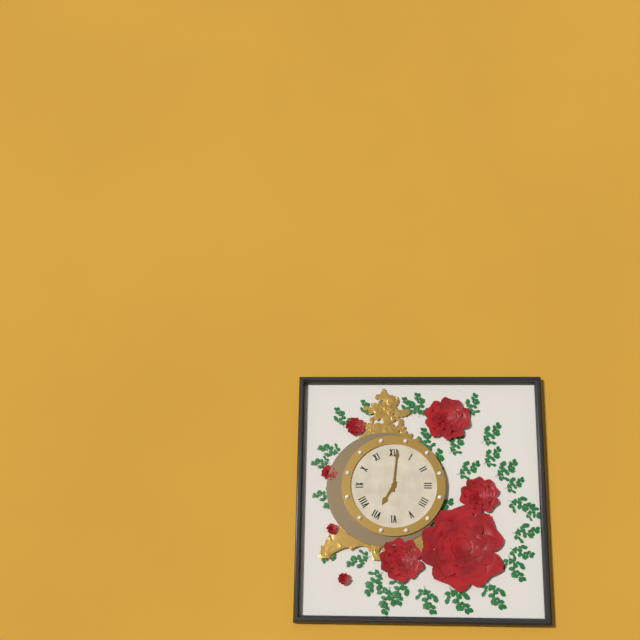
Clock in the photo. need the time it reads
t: 7:01
